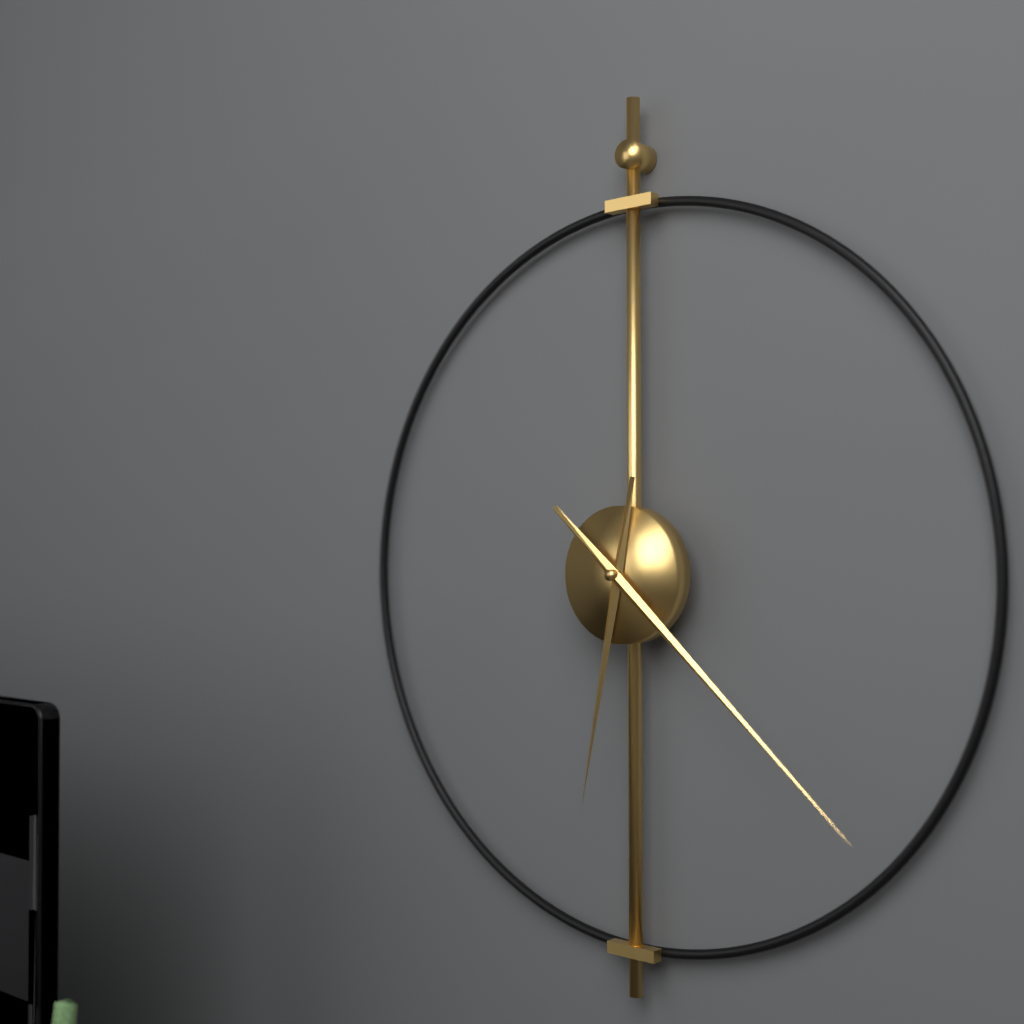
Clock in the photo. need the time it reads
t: 6:22
